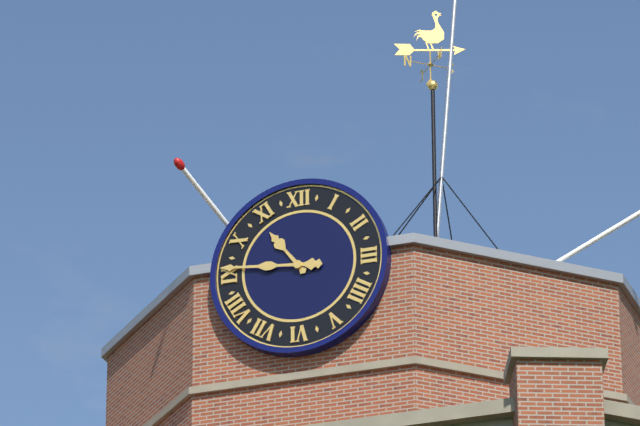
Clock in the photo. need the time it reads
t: 10:46
